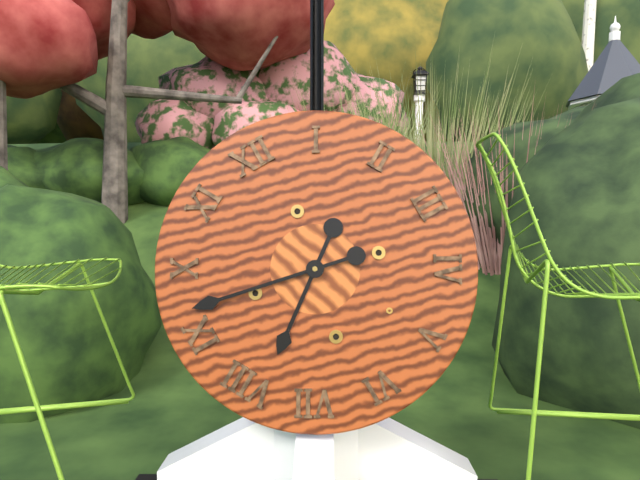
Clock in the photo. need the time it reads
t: 7:47
